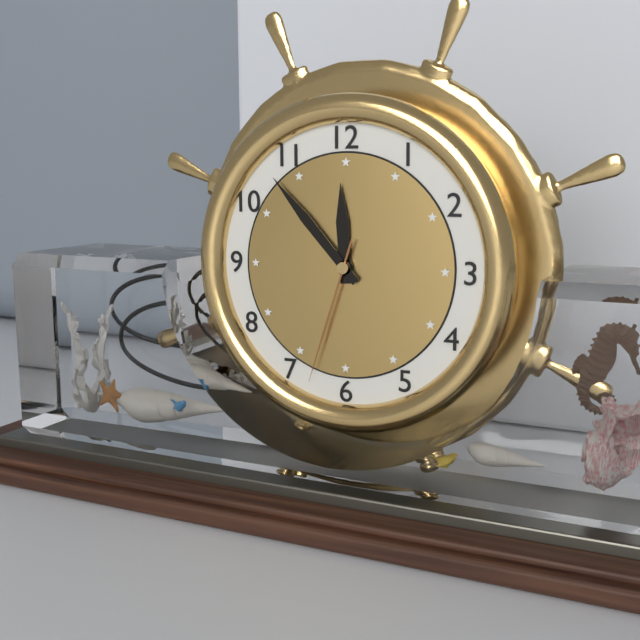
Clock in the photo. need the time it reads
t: 11:53:33
